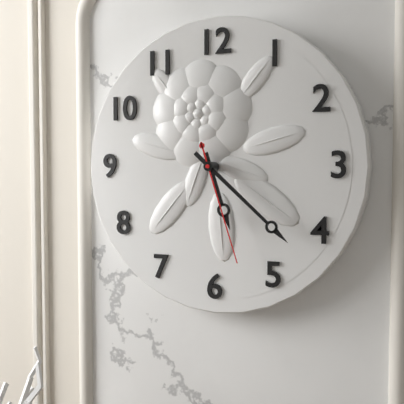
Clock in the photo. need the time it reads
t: 5:22:27
